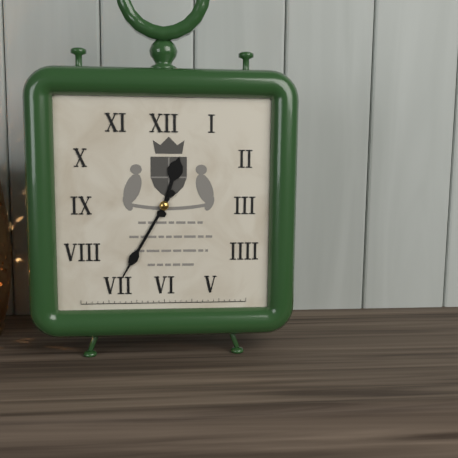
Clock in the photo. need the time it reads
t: 12:35
